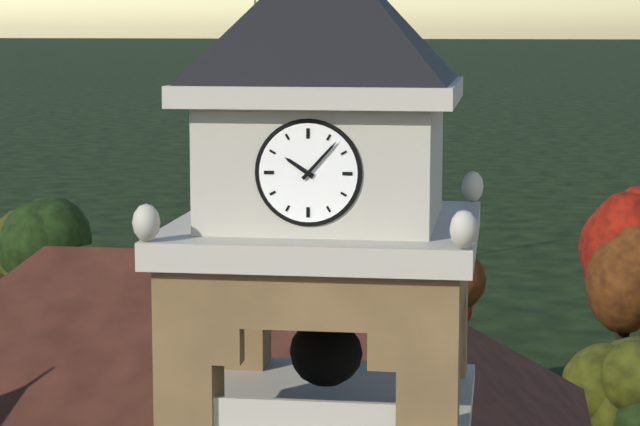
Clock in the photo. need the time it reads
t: 10:07
